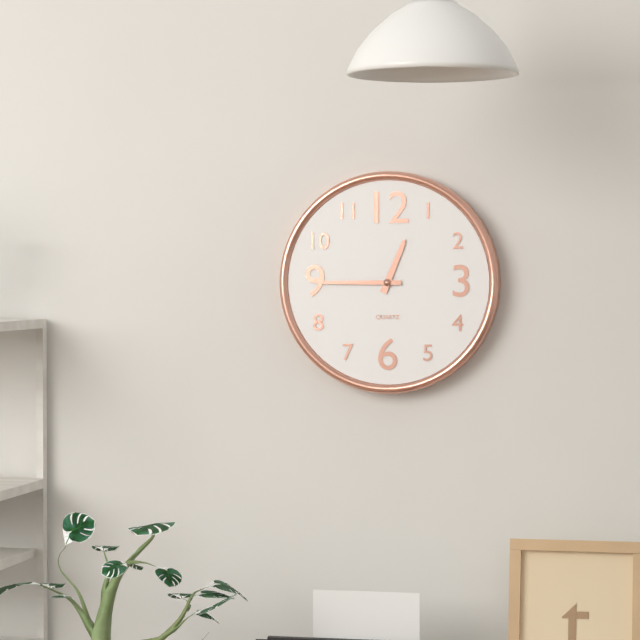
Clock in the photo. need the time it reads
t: 12:45
